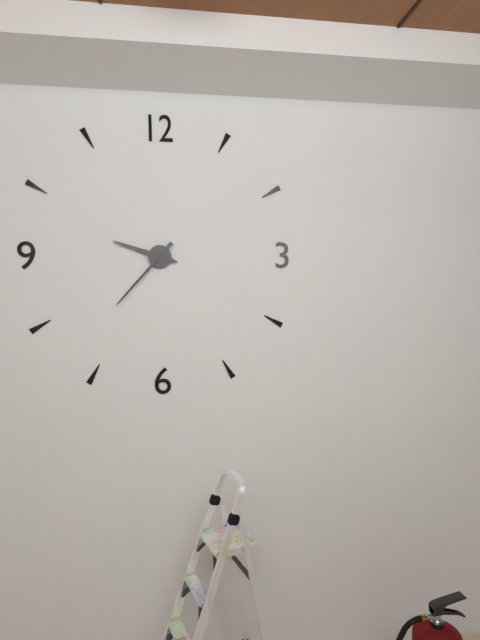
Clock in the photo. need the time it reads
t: 9:37
